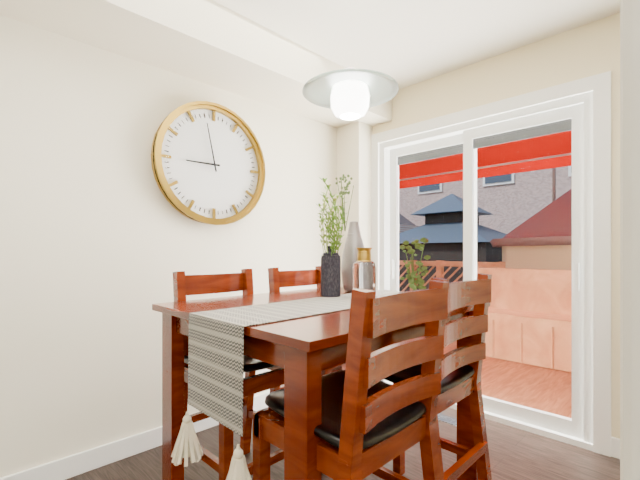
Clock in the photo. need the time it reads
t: 8:58
